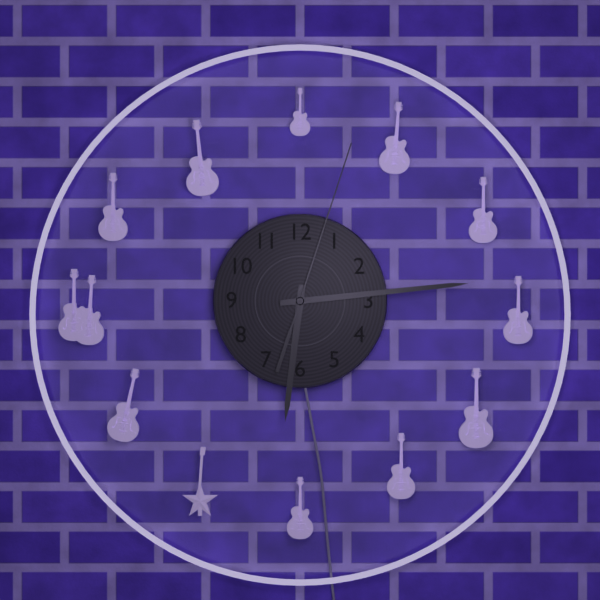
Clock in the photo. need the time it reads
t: 6:14:03
